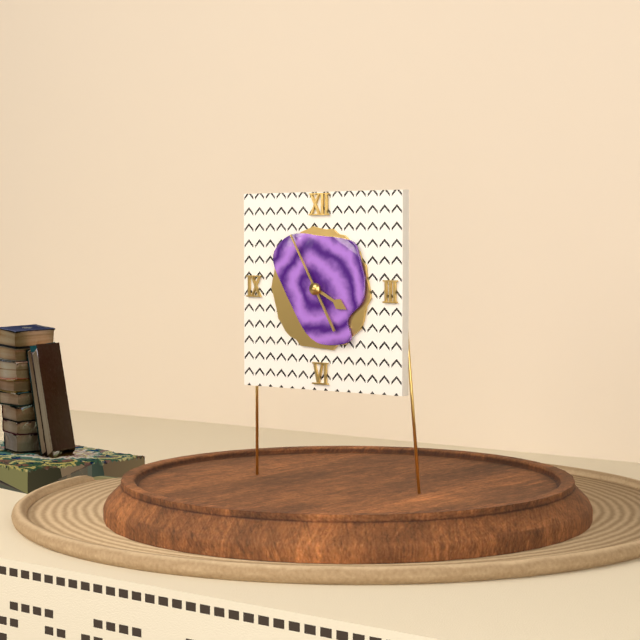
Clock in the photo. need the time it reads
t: 3:55
